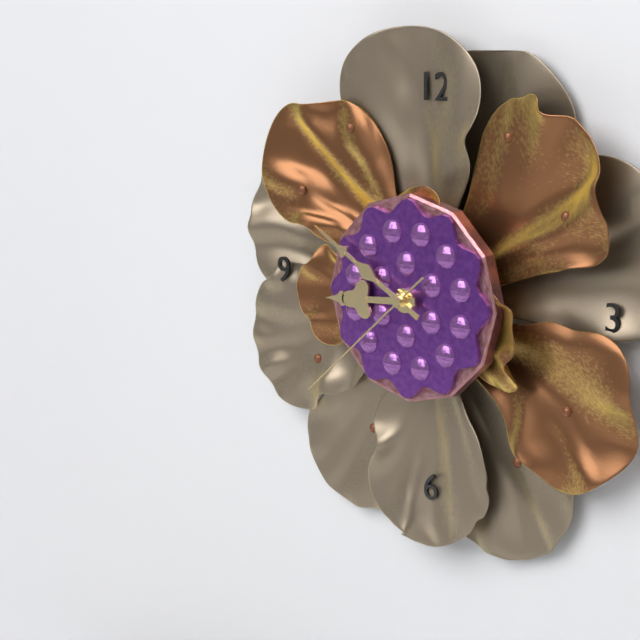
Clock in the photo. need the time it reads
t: 8:50:38
